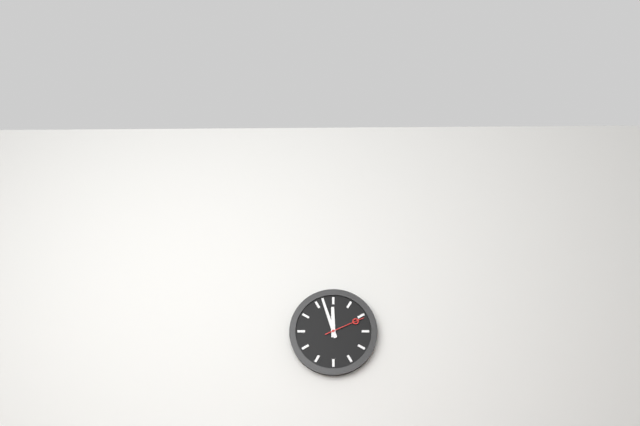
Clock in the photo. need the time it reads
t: 11:57
